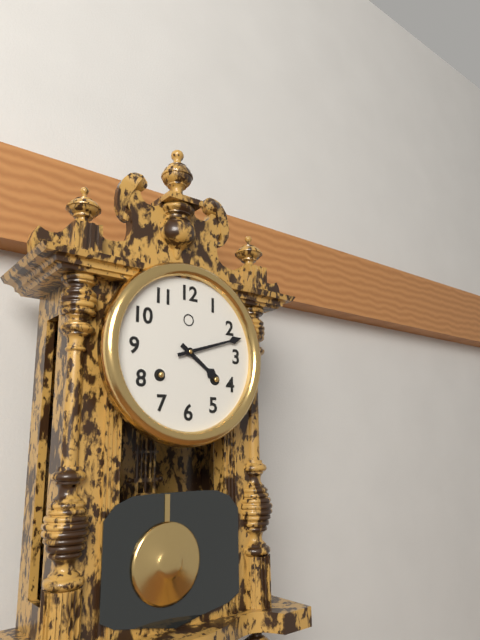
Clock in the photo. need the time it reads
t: 4:12
